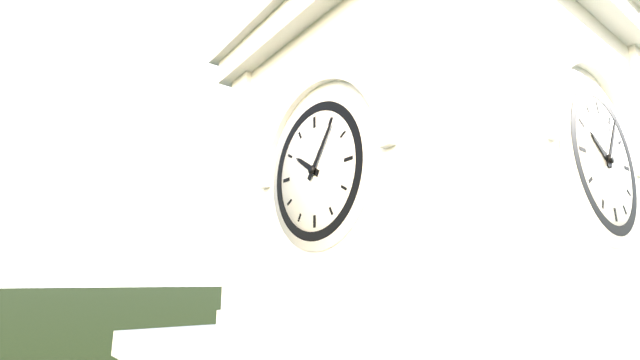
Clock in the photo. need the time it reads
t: 10:06
